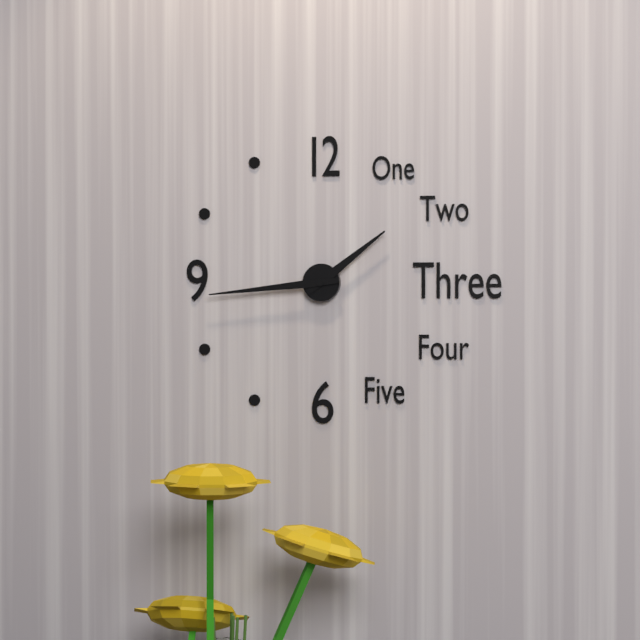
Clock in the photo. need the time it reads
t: 1:44
